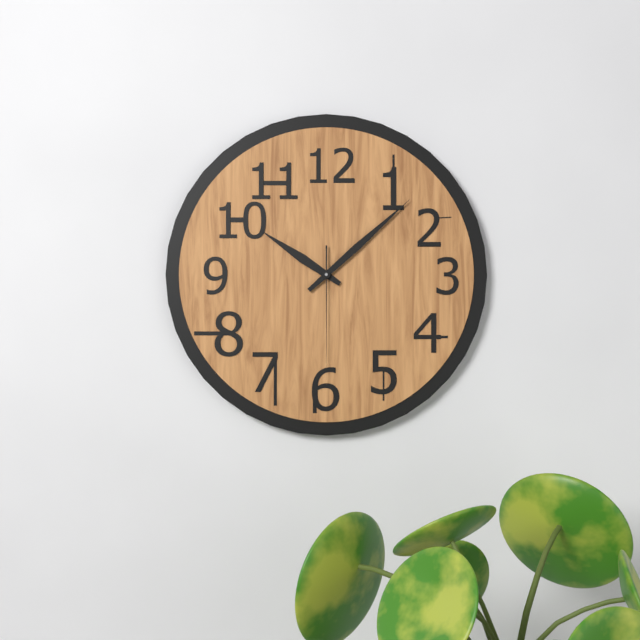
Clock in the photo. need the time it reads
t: 10:08:30
